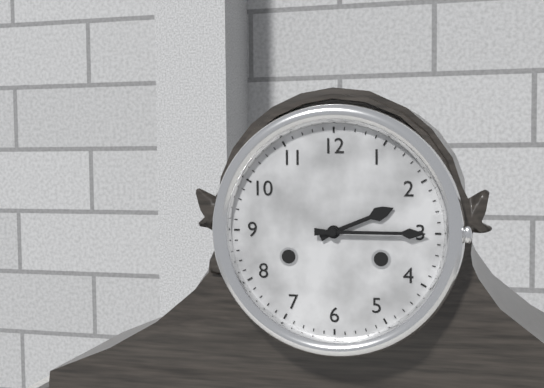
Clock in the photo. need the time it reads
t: 2:15
